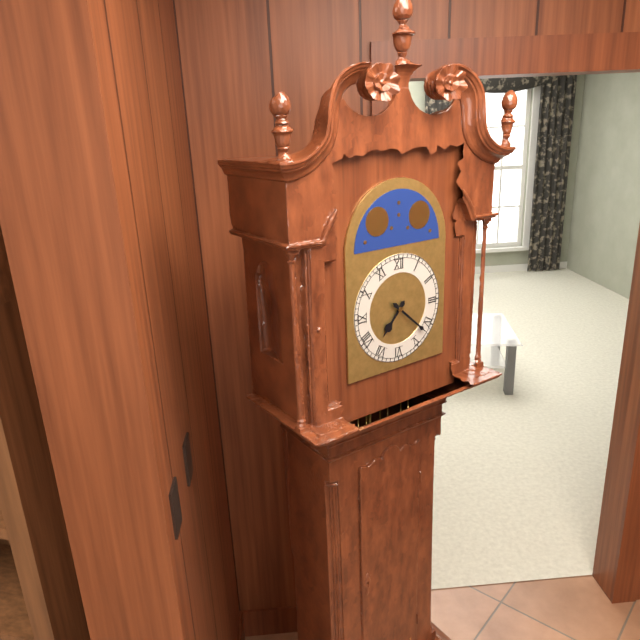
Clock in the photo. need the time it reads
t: 7:22
